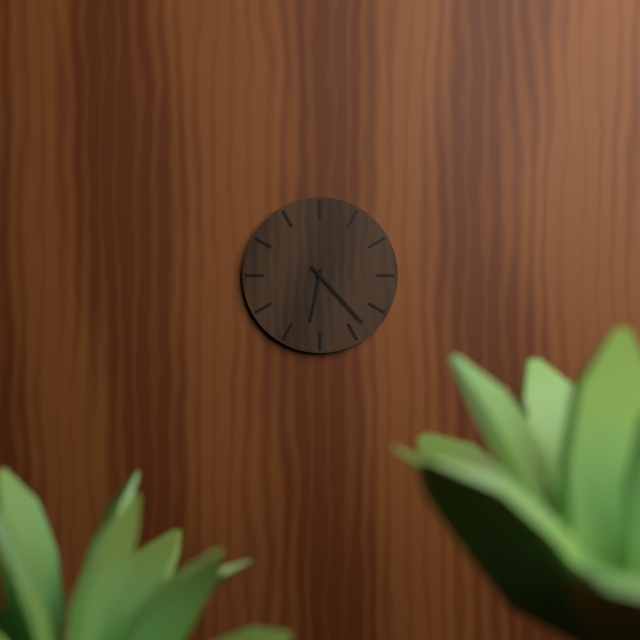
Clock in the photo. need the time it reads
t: 6:23
